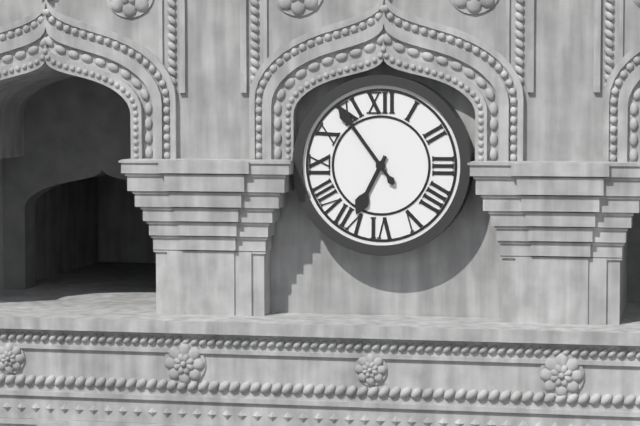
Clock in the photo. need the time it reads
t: 6:54
